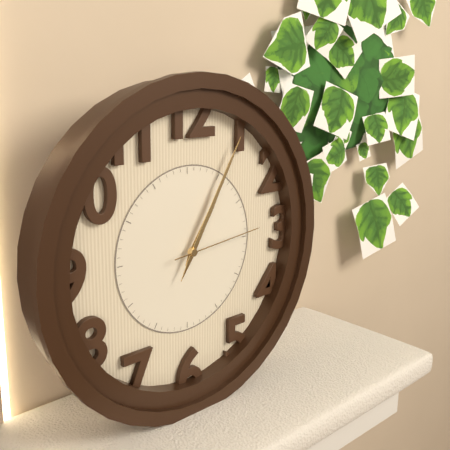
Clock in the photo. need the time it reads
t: 1:05:14
